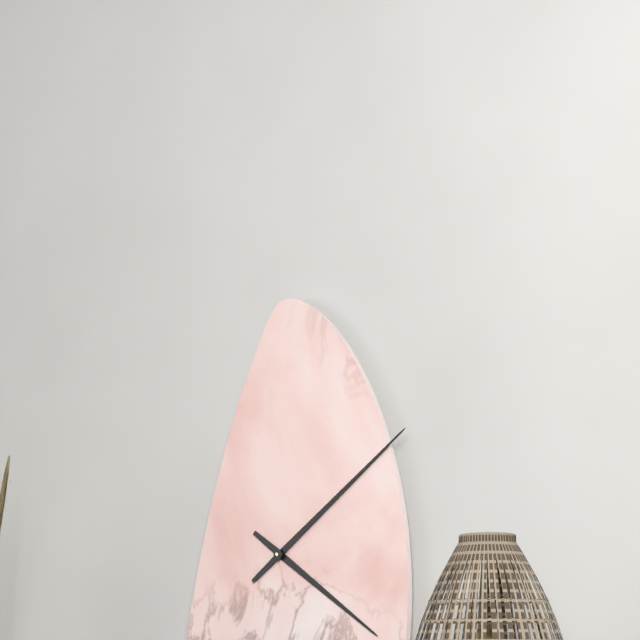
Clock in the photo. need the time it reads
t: 4:09
